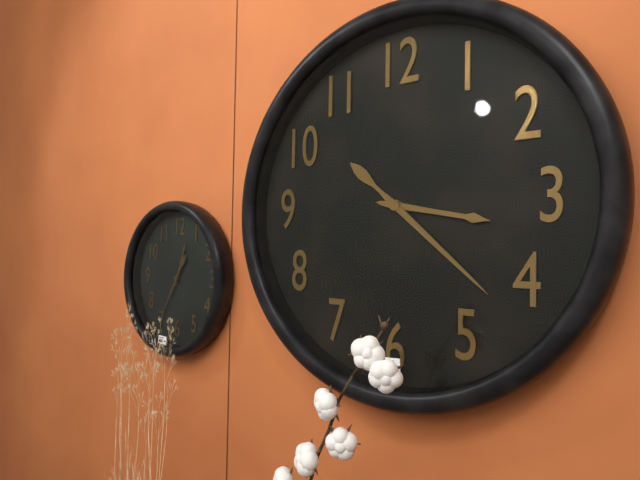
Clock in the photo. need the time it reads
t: 3:22
